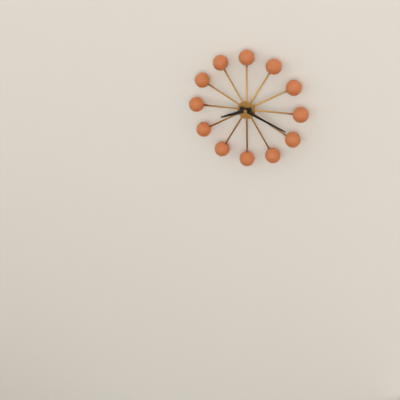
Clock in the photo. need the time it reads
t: 8:19
